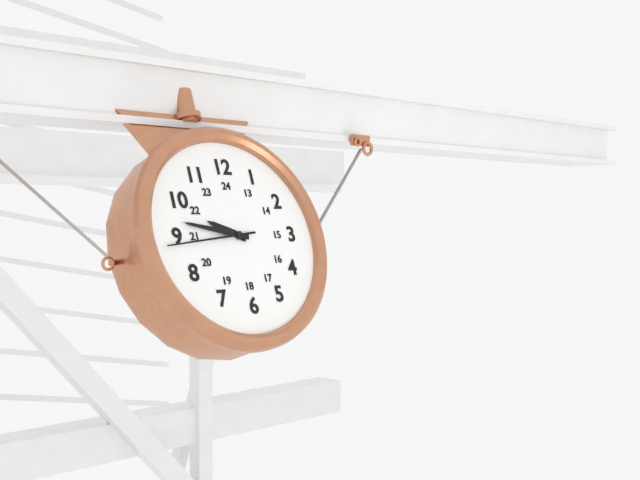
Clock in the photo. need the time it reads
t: 9:47:44
